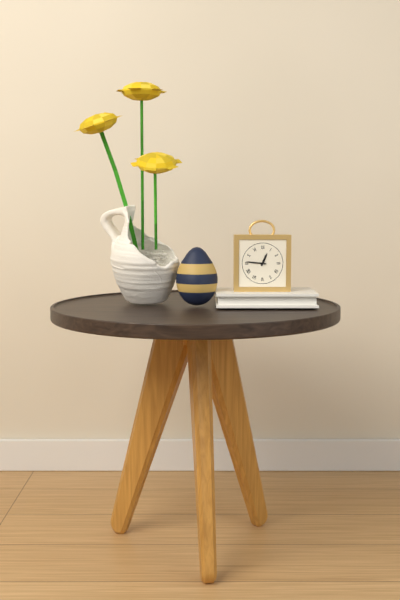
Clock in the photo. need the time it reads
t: 12:46
